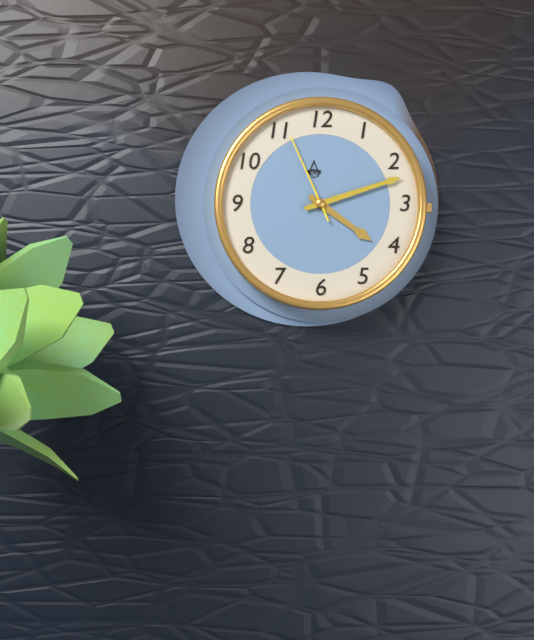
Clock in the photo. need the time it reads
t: 4:12:56
